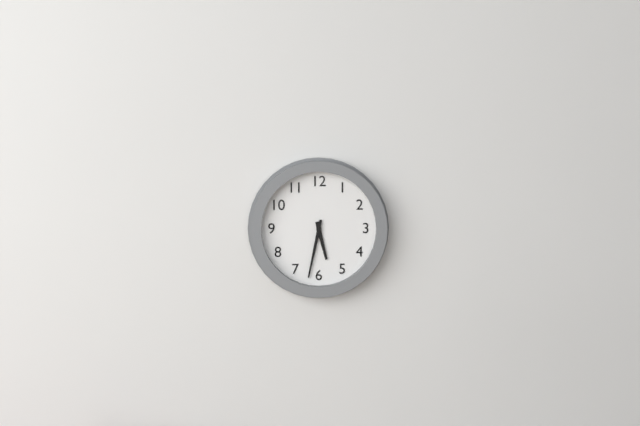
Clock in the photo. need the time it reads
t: 5:32
